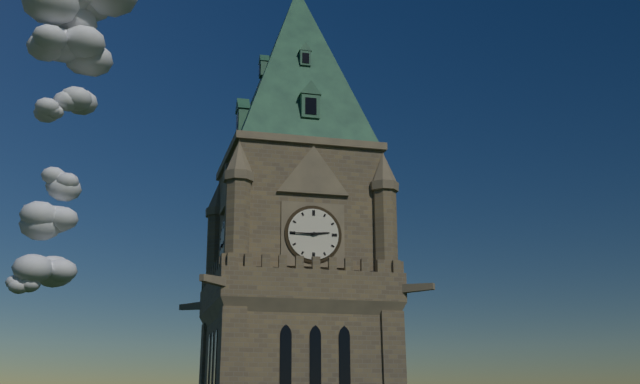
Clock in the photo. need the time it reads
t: 2:45
